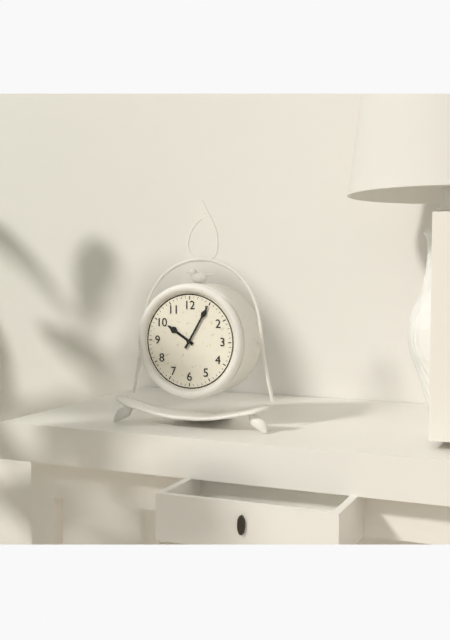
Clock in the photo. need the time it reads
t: 10:05
